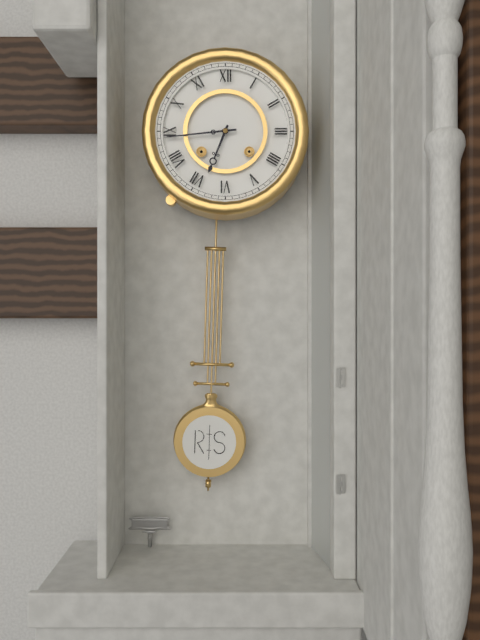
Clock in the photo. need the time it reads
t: 6:44
